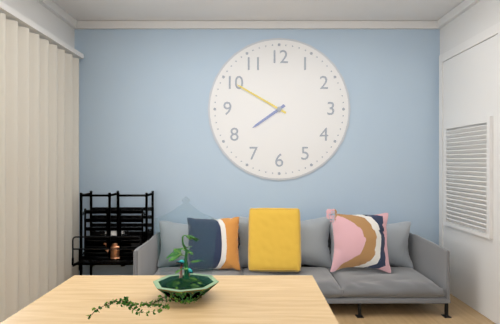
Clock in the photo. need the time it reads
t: 7:50
